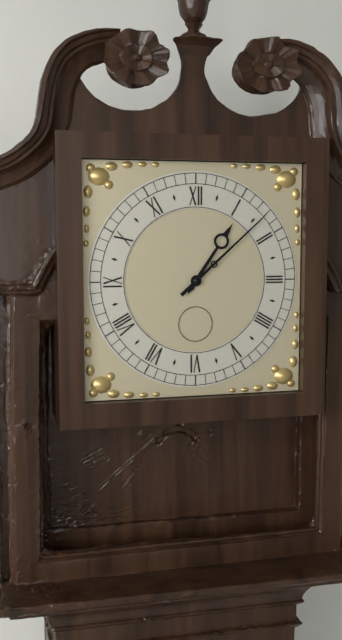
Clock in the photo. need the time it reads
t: 1:08
